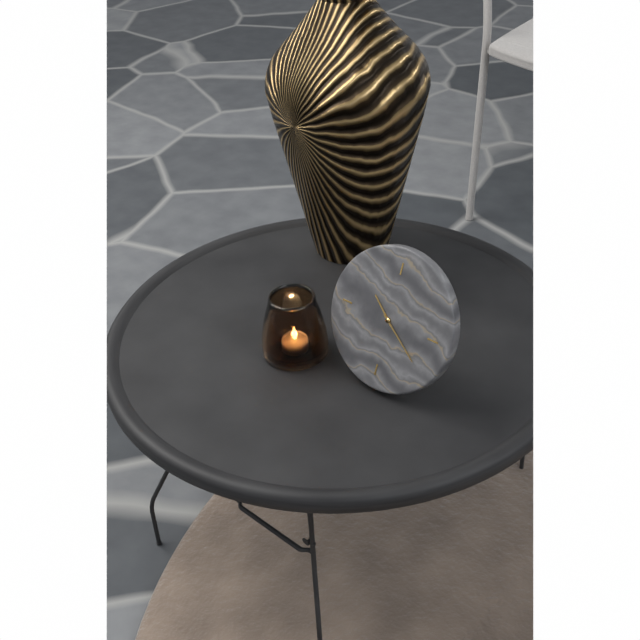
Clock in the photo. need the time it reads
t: 10:21
